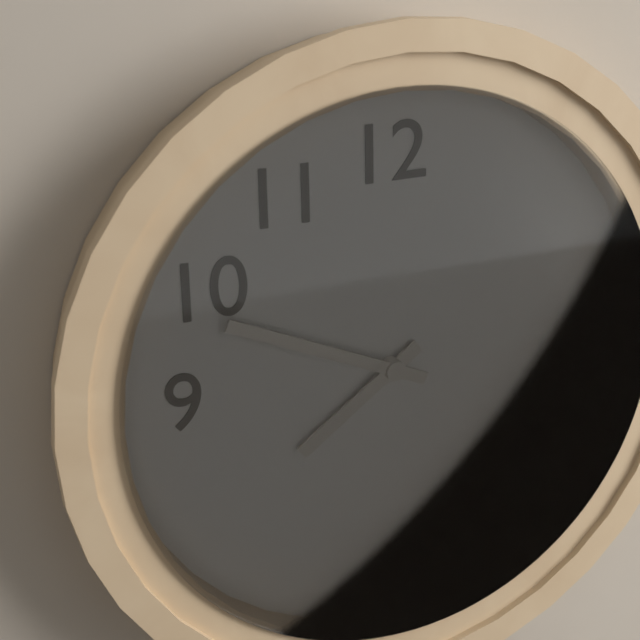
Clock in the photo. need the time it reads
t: 7:49
